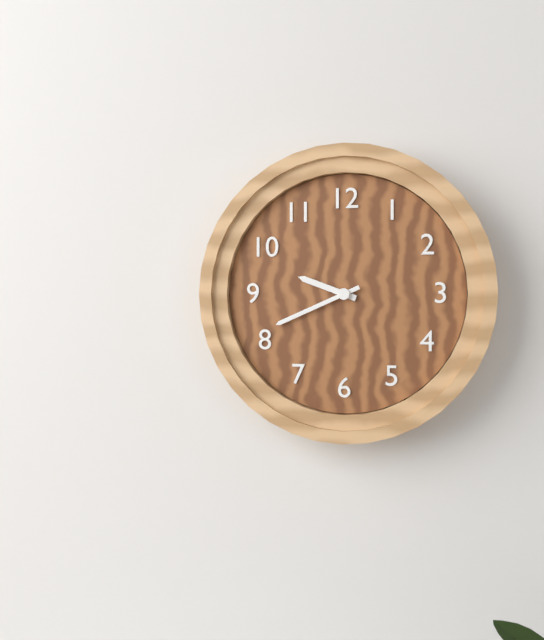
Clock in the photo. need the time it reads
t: 9:41
